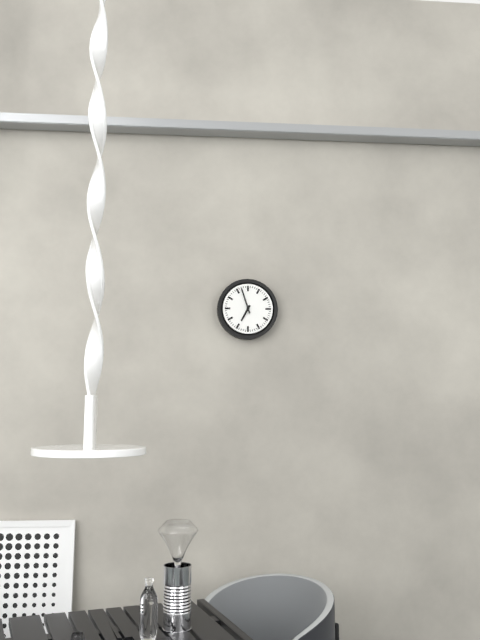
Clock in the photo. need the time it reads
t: 6:57
